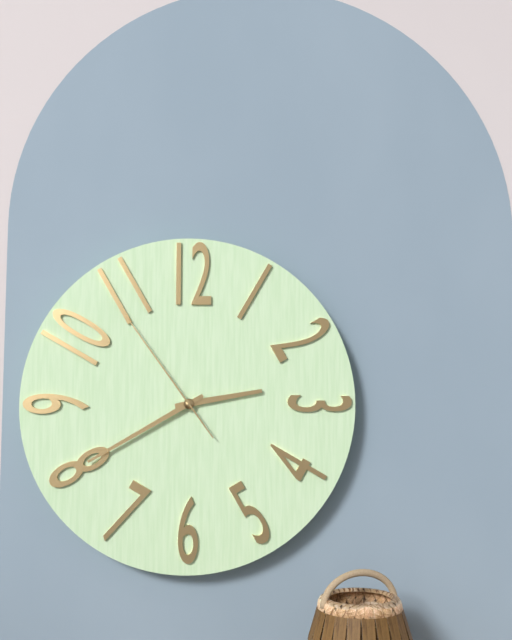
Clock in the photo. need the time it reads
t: 2:40:54
